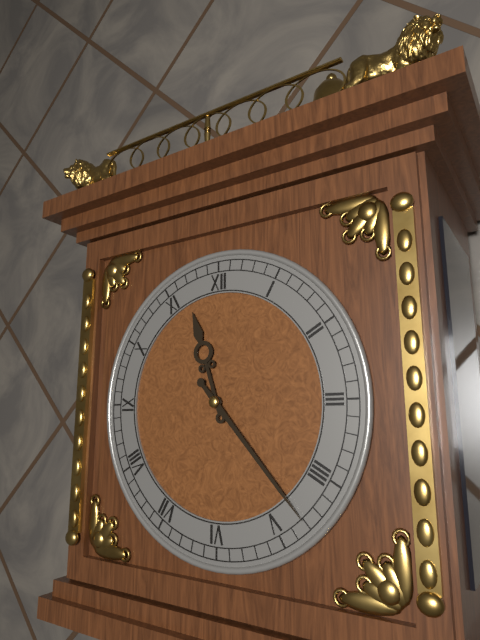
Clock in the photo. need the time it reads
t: 11:23
